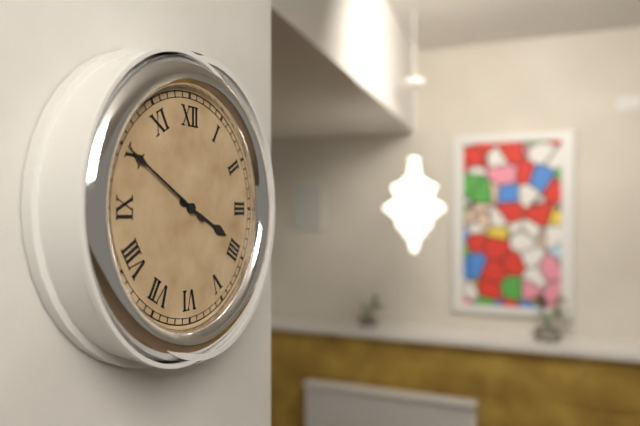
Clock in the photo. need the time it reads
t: 3:50
